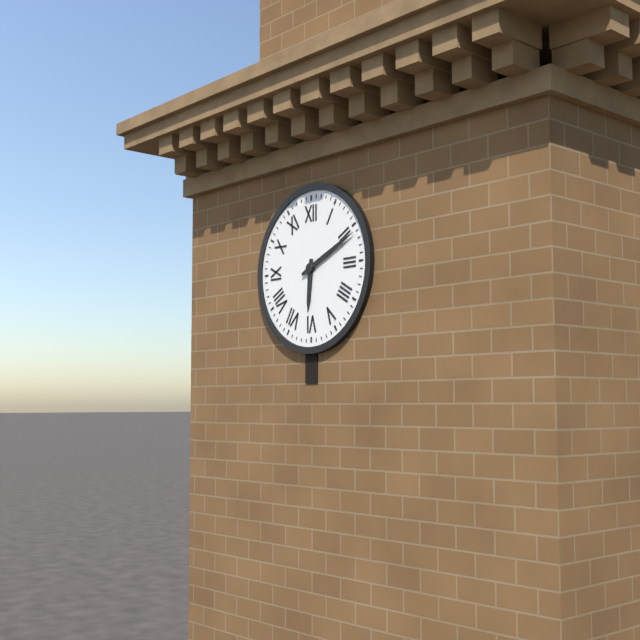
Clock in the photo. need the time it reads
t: 6:11
